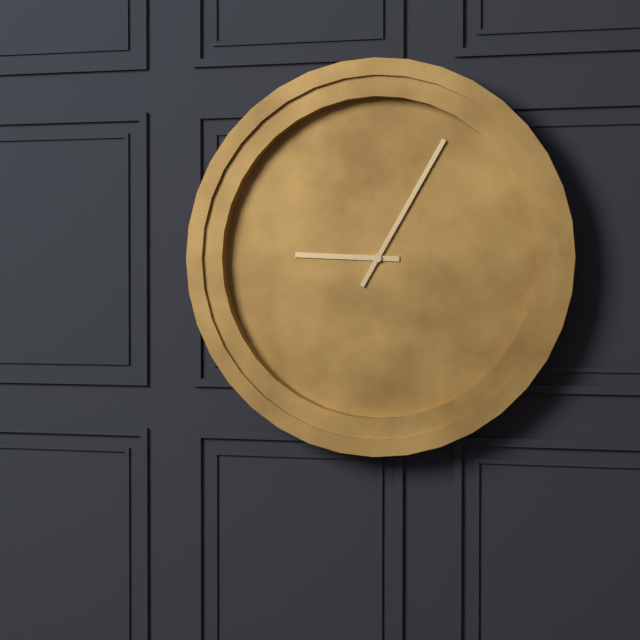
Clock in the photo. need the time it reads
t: 9:05
